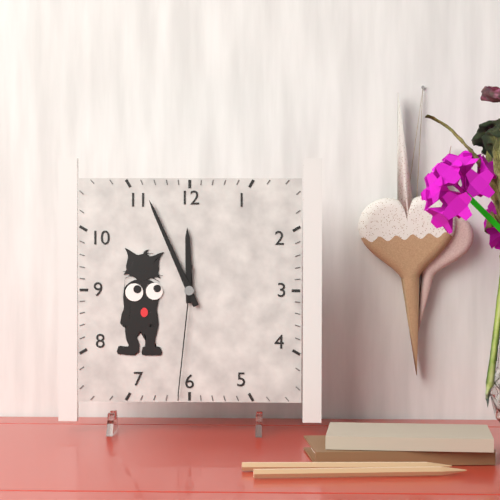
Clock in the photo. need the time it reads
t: 11:56:31
